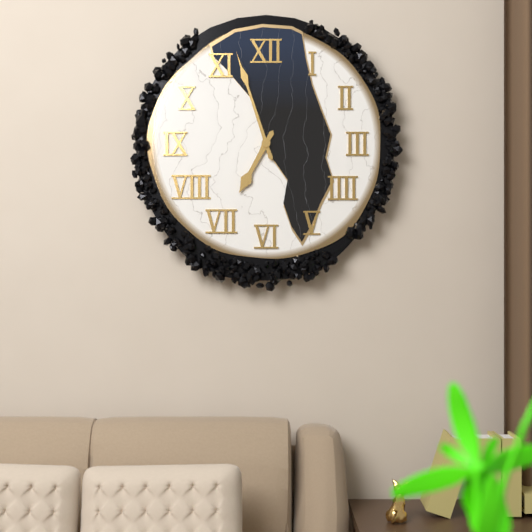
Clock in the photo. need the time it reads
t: 6:57
